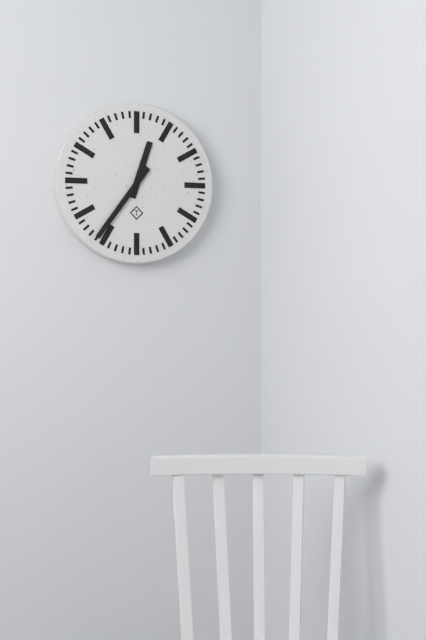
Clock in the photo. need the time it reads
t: 12:36
